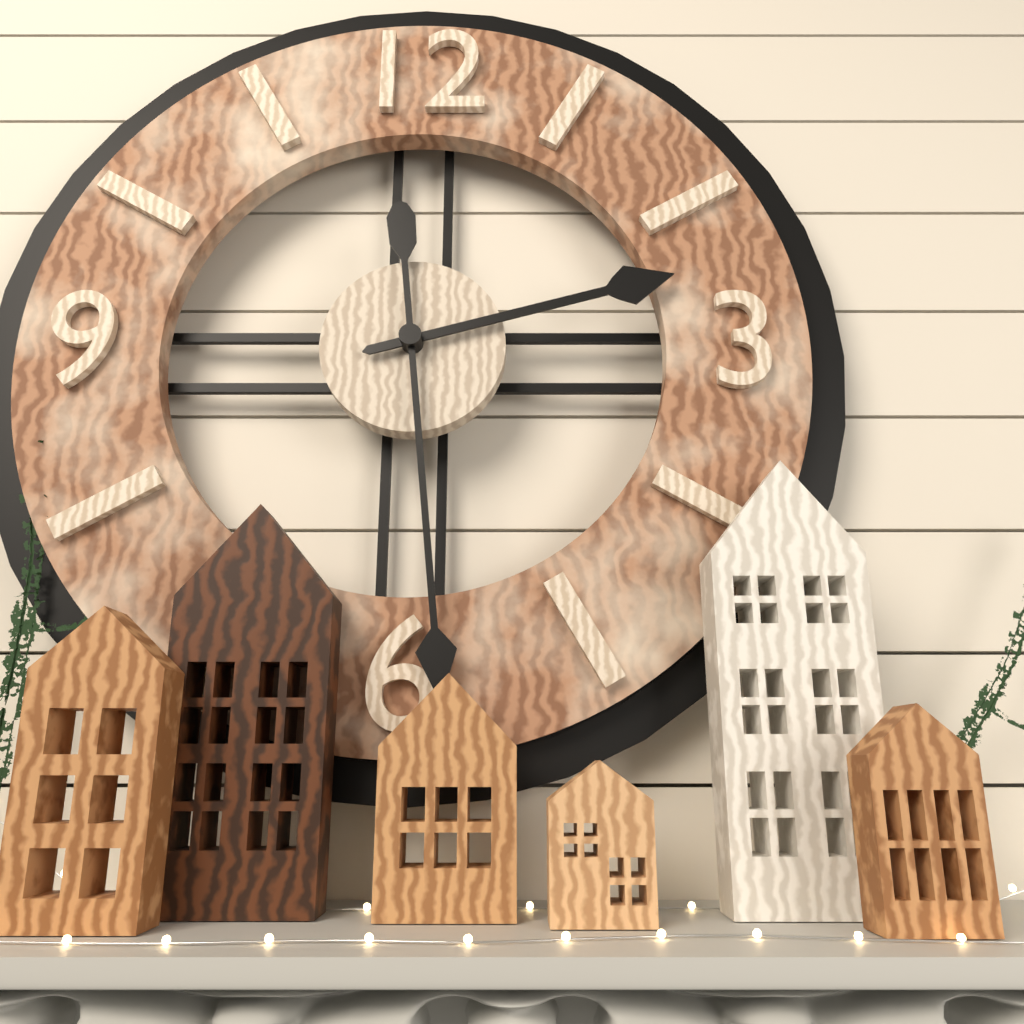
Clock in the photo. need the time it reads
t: 2:29
